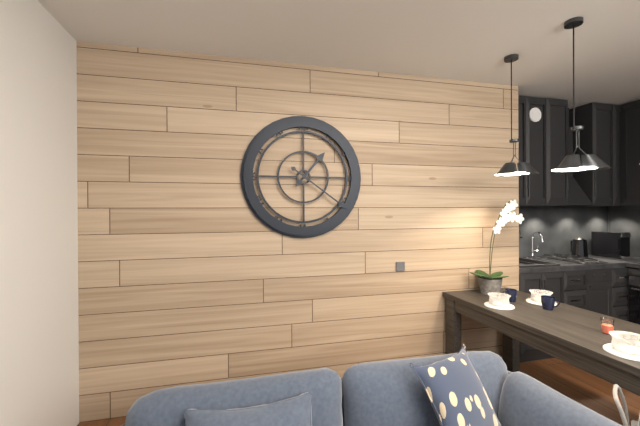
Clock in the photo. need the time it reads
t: 1:21
